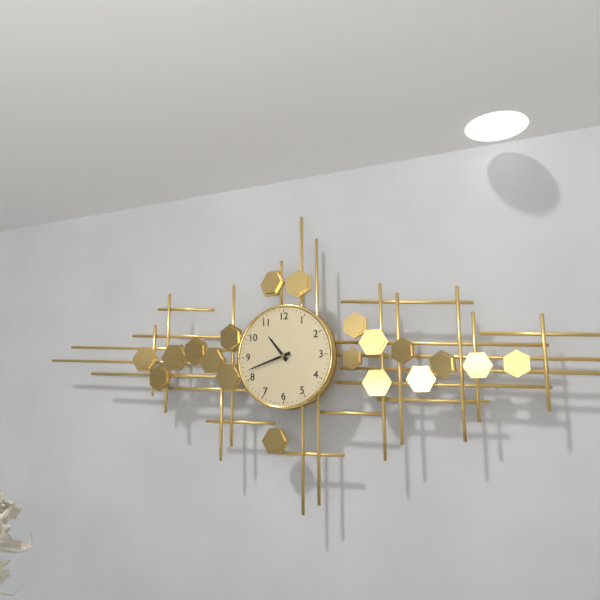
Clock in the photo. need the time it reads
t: 10:42
